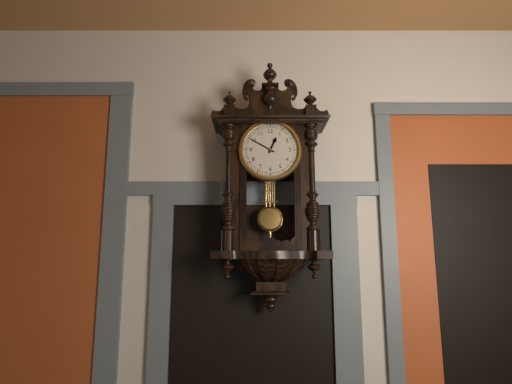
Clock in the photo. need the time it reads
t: 12:50
